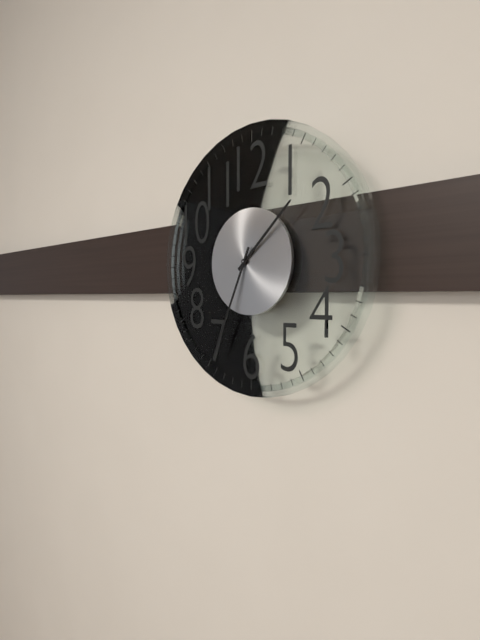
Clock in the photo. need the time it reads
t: 1:34
